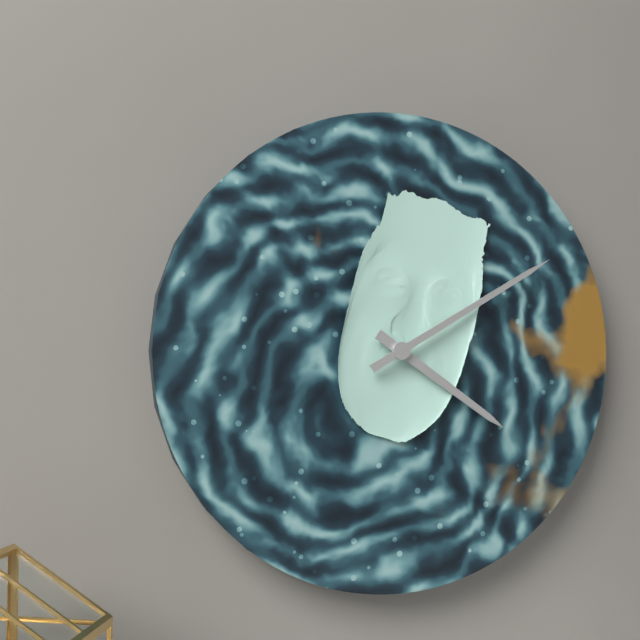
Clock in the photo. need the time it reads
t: 4:10
